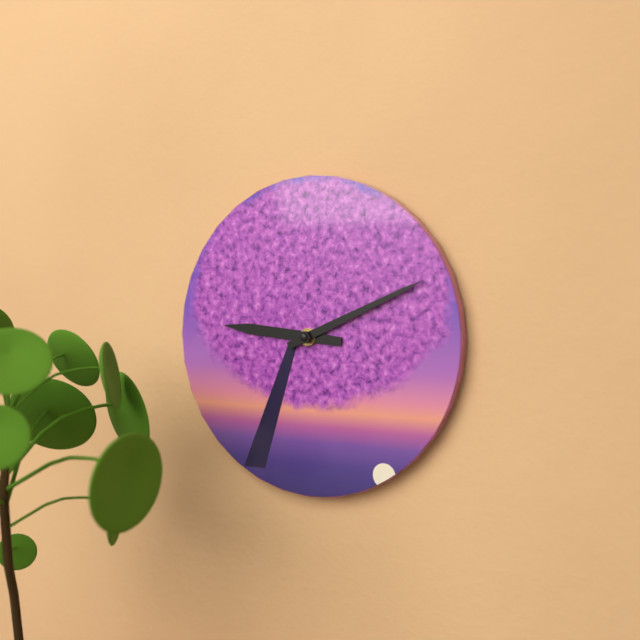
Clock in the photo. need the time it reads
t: 9:11
